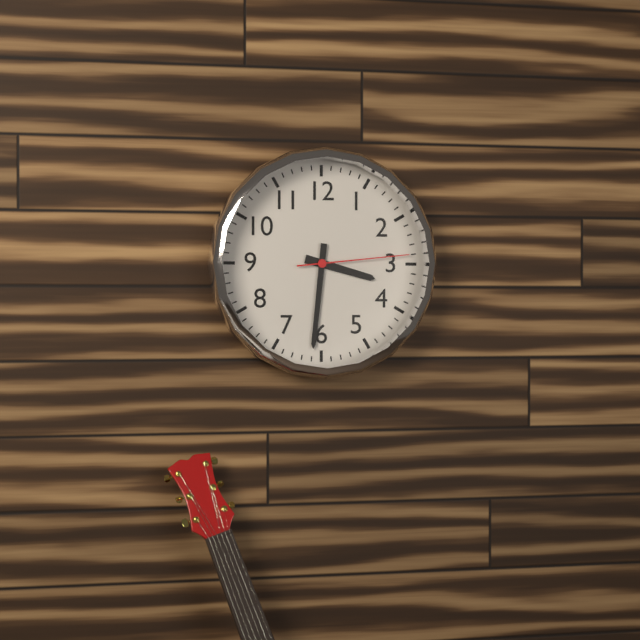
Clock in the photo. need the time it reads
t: 3:31:14
